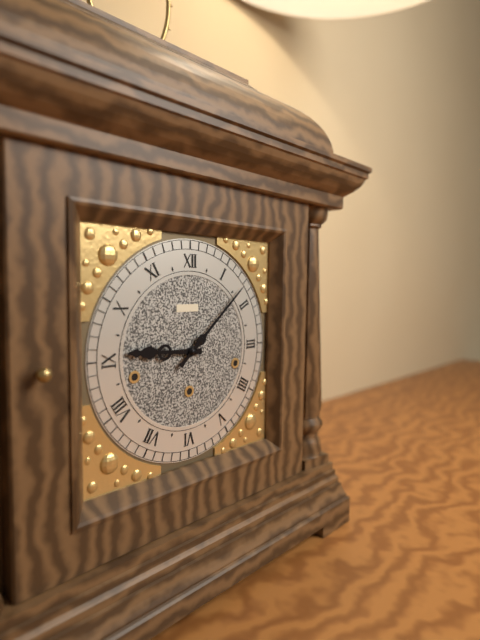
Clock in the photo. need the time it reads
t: 9:08
